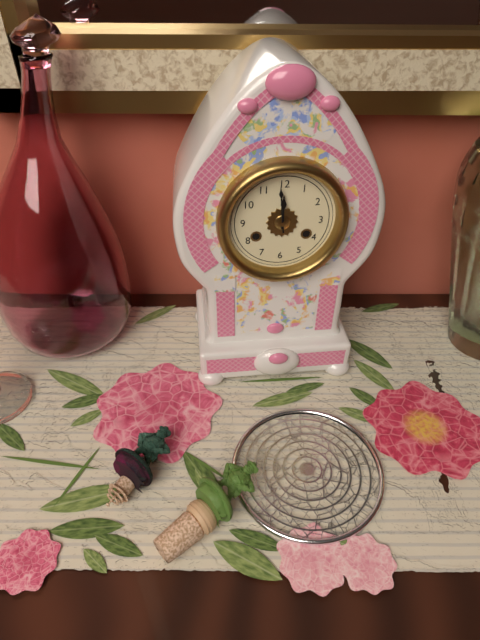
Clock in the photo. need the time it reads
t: 11:59
